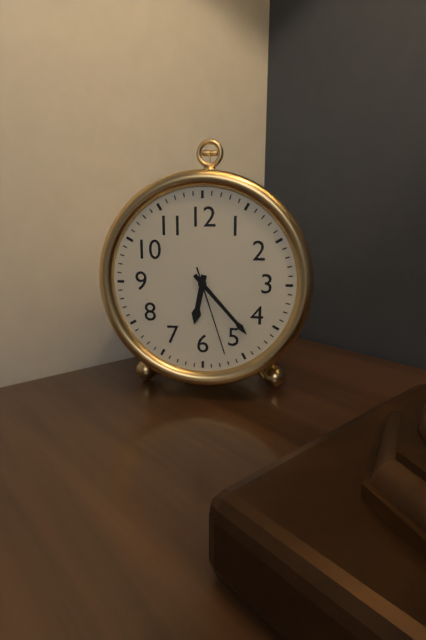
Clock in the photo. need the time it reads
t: 6:23:27
